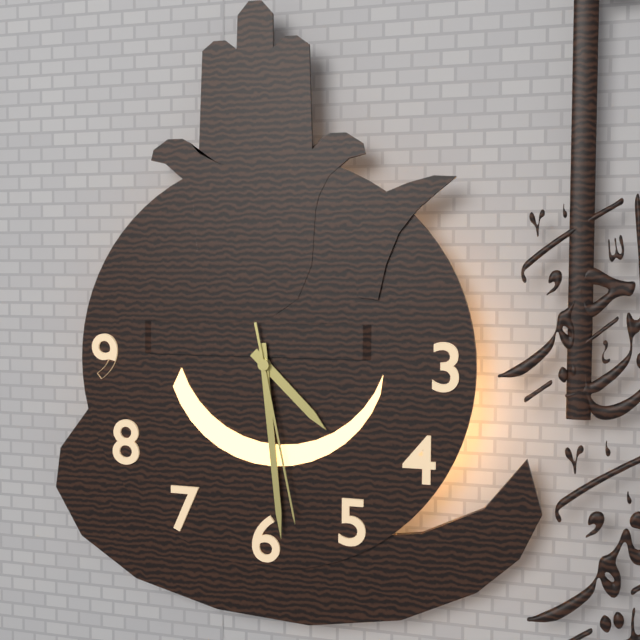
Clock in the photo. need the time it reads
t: 4:29:28
